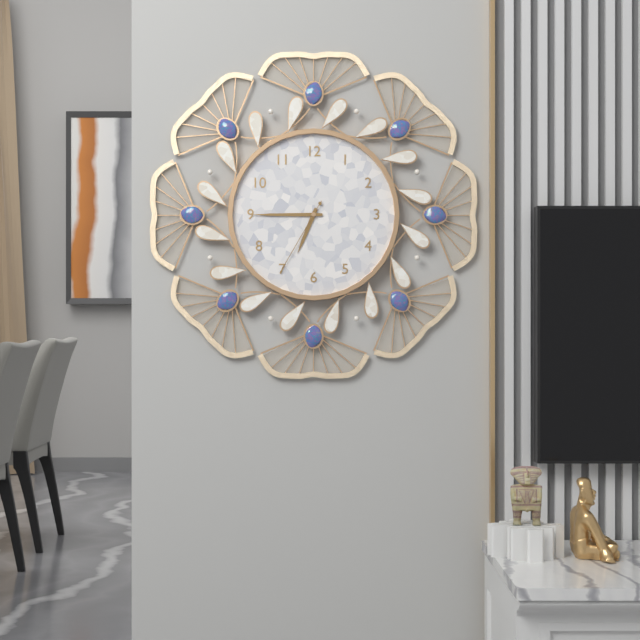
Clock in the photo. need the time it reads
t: 6:45:35
